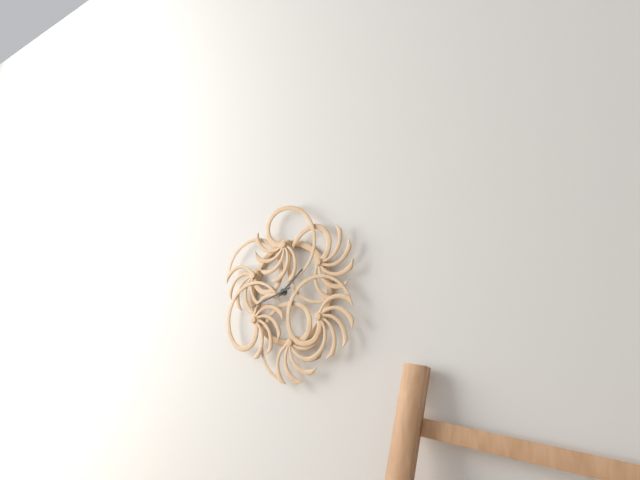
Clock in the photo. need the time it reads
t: 1:42
